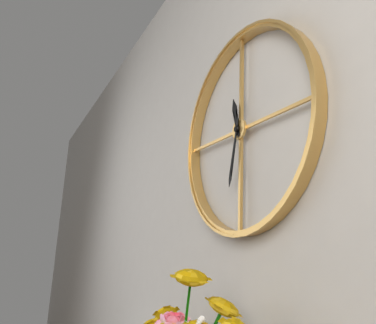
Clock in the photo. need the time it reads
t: 11:32
